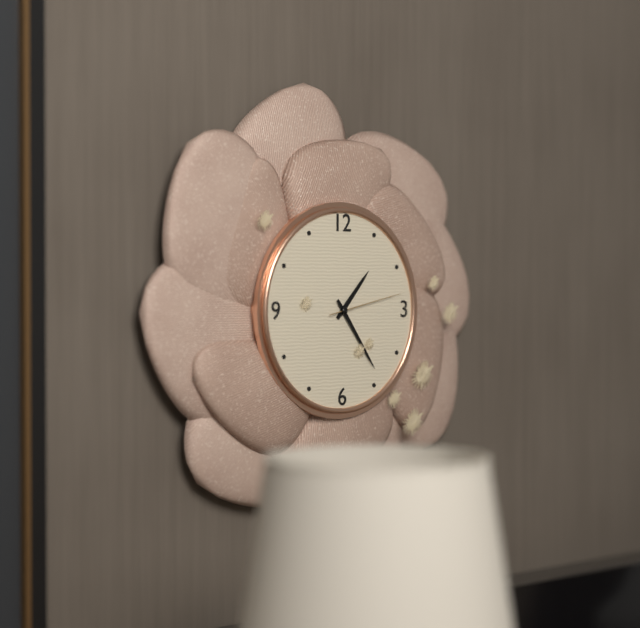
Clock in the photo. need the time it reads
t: 1:24:13
